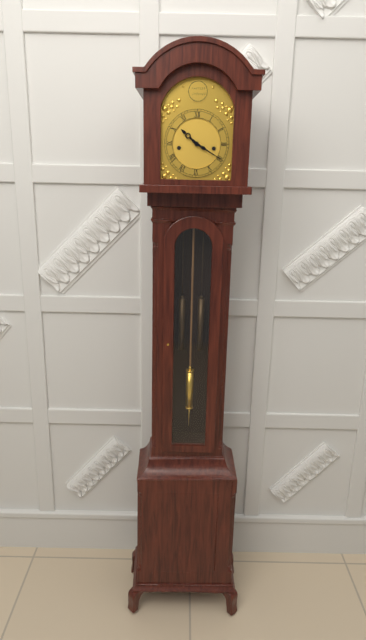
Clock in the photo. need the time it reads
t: 10:20
